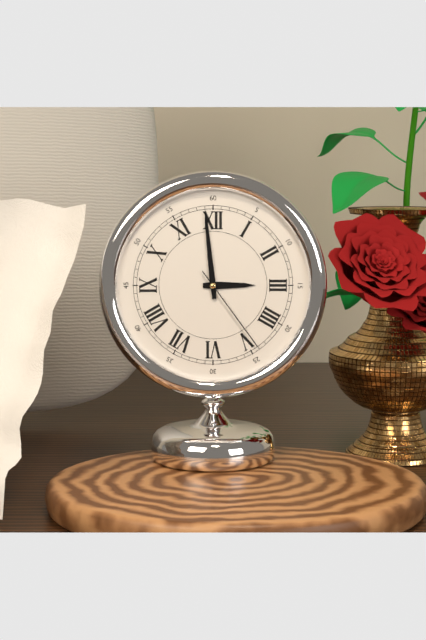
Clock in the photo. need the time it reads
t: 2:59:24
